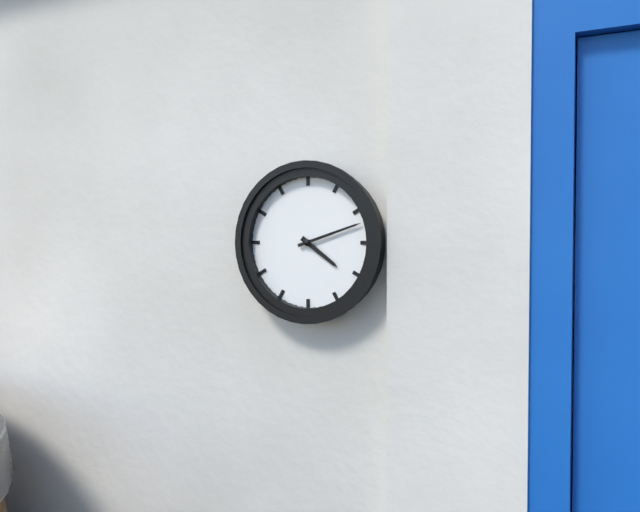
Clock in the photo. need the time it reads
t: 4:12
